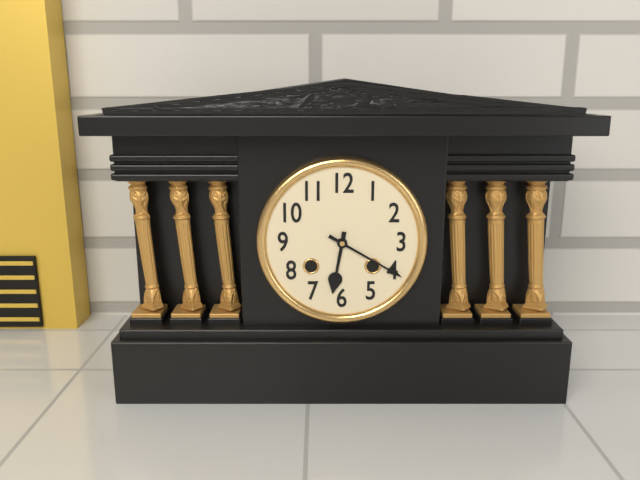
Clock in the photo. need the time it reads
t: 6:20
